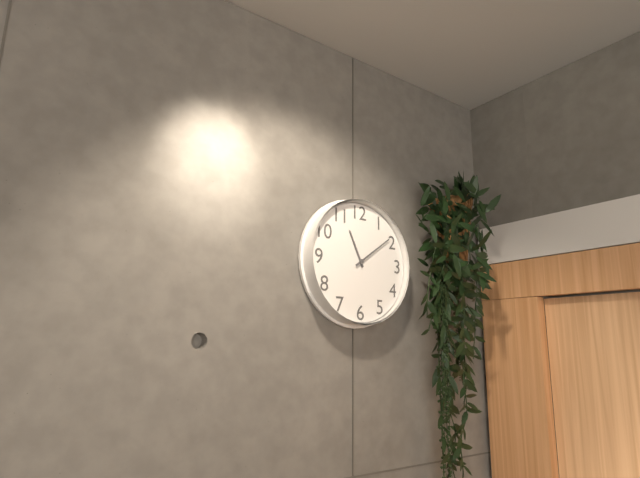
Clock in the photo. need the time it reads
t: 11:09
